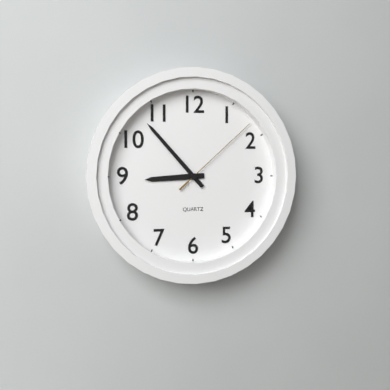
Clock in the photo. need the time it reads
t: 8:53:08
